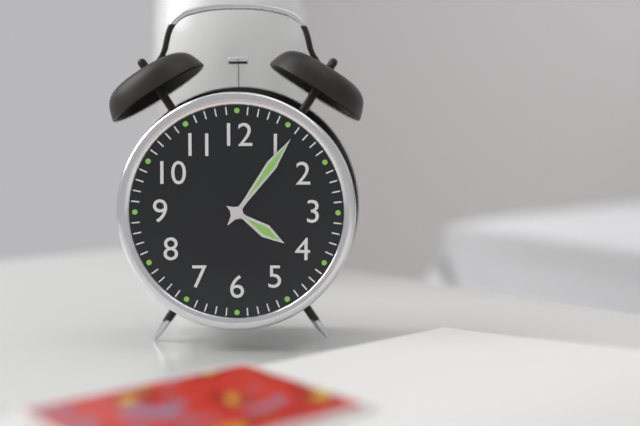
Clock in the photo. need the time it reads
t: 4:06
